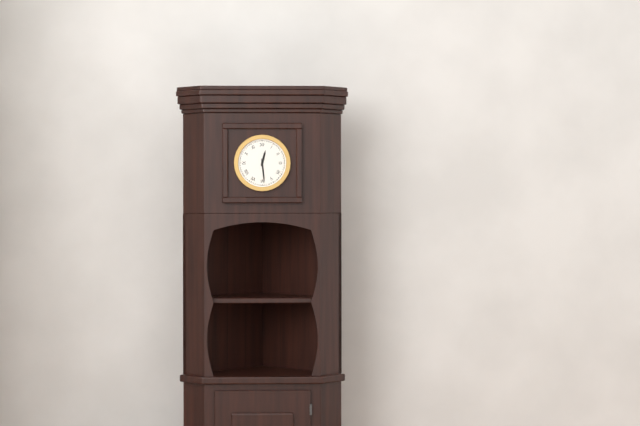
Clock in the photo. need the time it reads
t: 12:29
